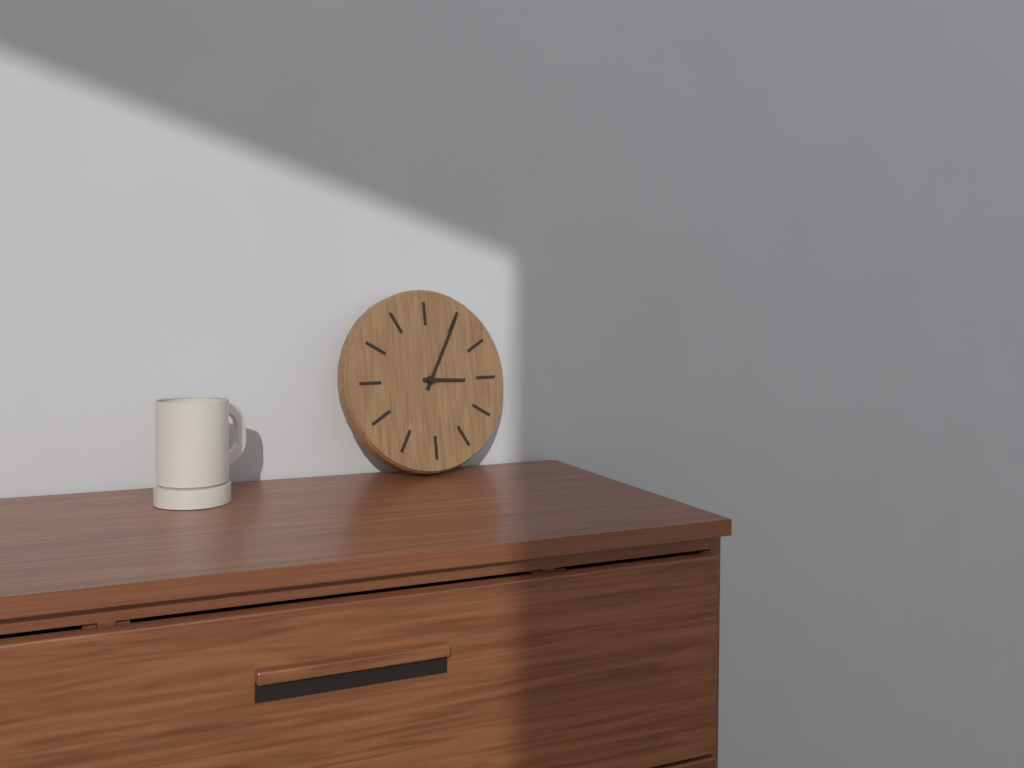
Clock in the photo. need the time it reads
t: 3:05
